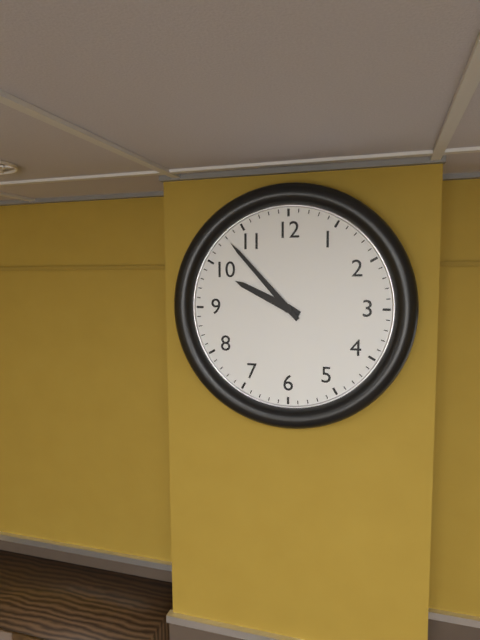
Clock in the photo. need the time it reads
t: 9:53
